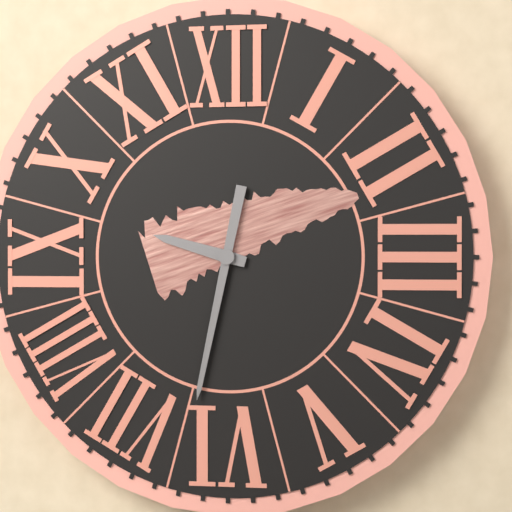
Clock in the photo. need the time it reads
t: 9:32
